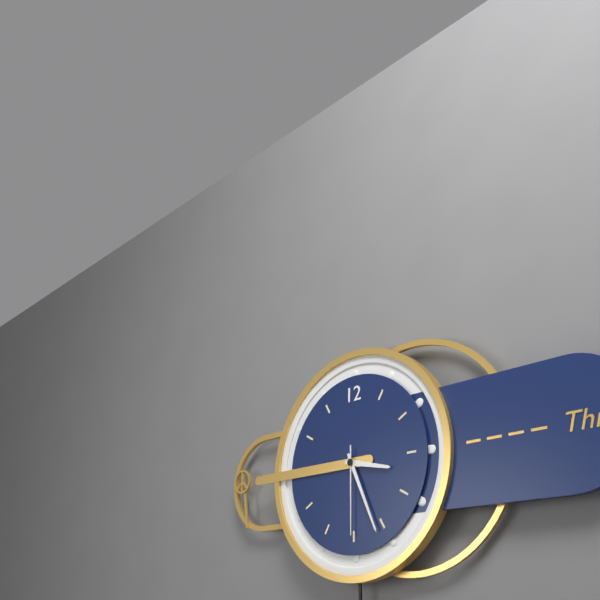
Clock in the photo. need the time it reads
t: 3:26:30
